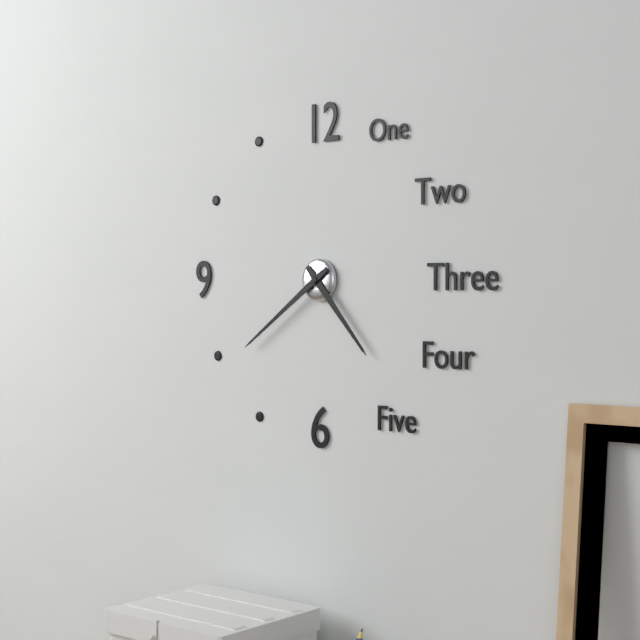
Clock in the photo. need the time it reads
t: 4:39
